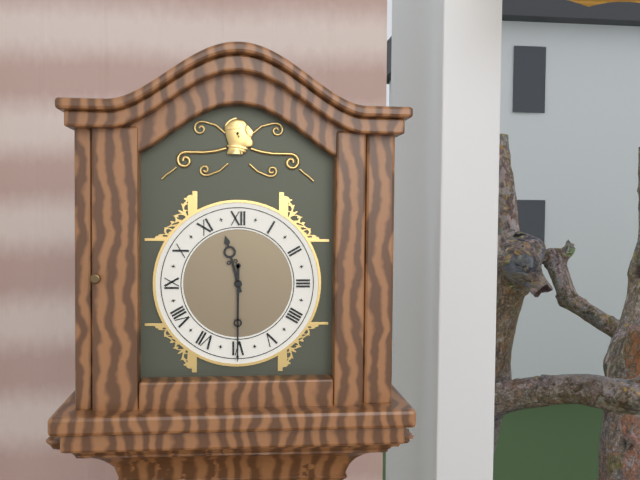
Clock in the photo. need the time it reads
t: 11:30
